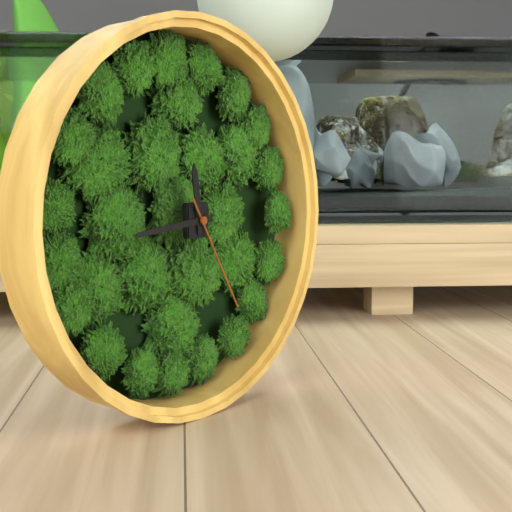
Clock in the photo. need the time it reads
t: 11:44:25
